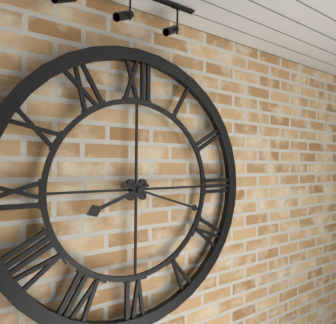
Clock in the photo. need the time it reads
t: 8:18
